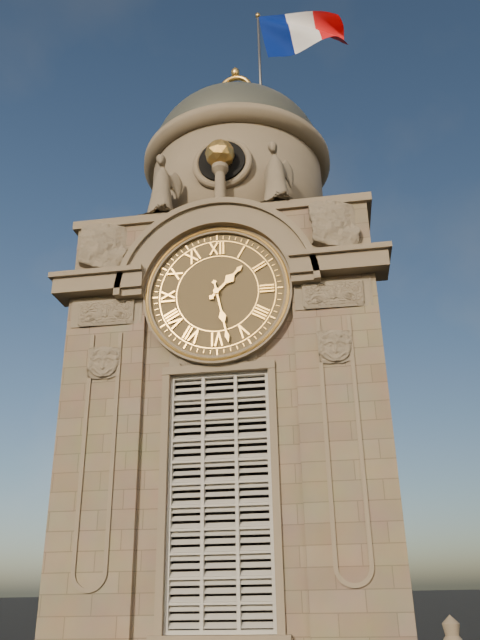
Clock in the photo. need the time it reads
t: 1:28
